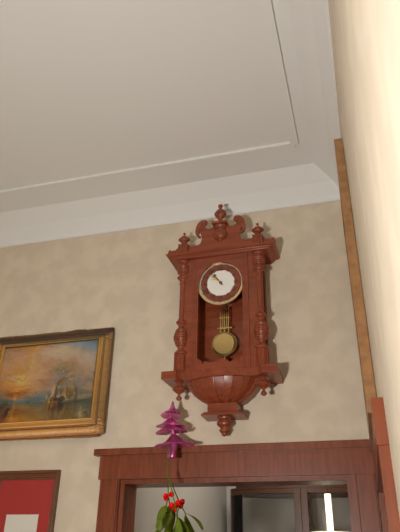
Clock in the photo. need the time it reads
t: 10:53
